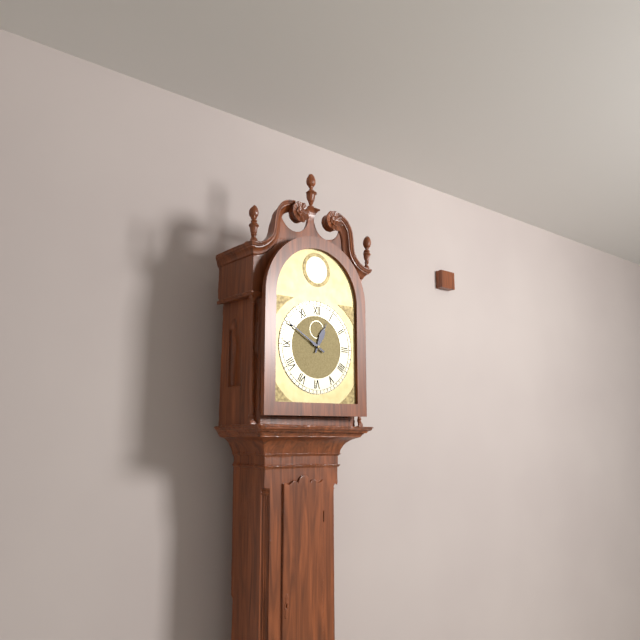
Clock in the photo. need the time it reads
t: 12:50
